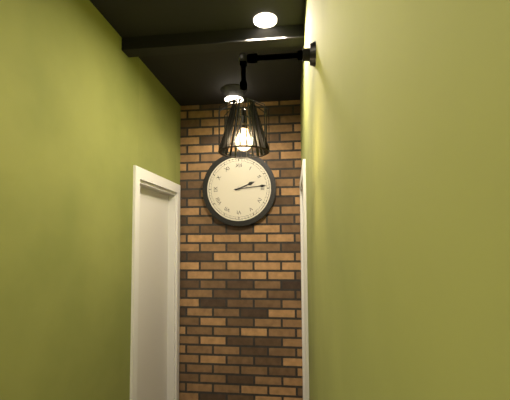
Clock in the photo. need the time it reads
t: 2:14
